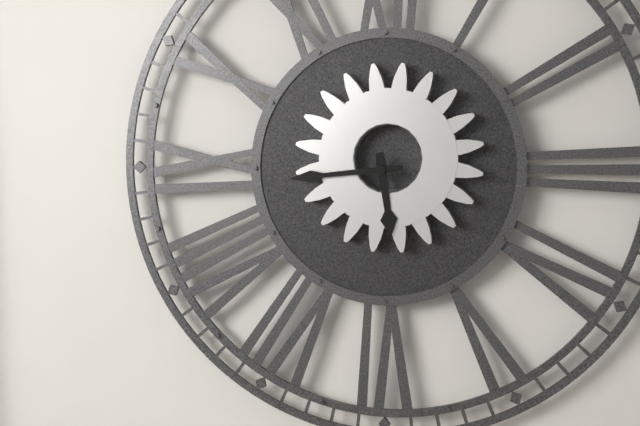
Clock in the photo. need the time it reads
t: 5:44
